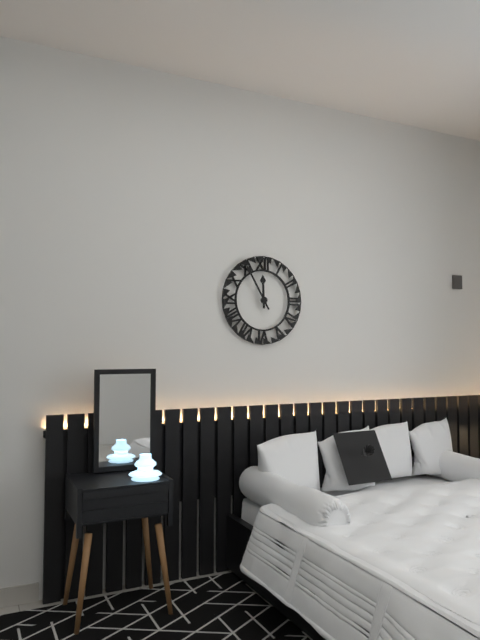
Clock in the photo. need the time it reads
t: 11:55
